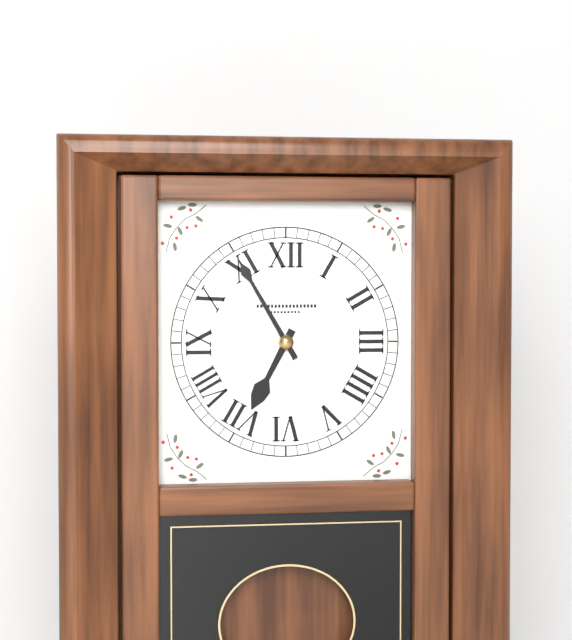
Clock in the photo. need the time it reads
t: 6:55
